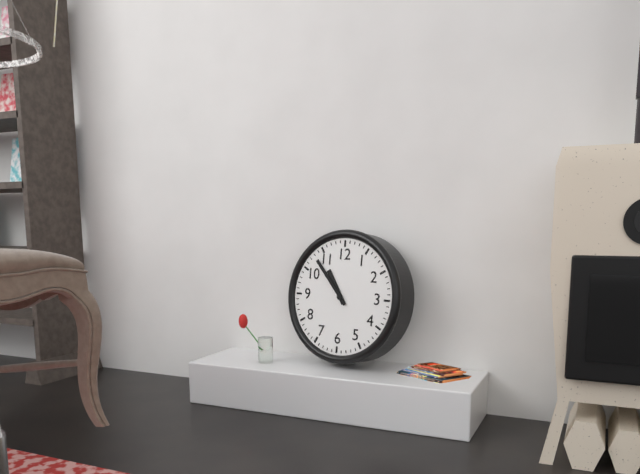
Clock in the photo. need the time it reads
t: 10:53
